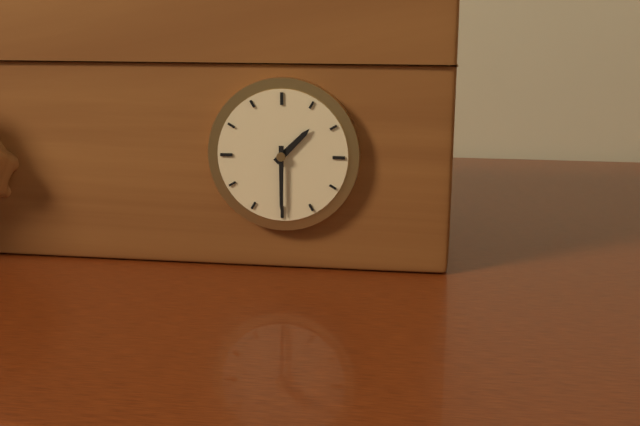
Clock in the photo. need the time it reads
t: 1:30
